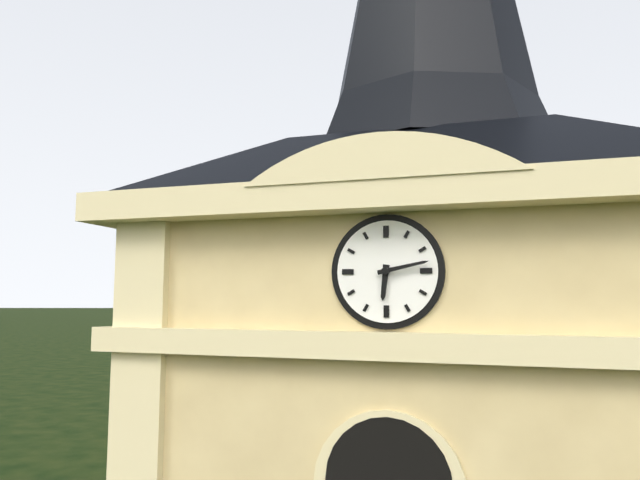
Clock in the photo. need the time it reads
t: 6:13
